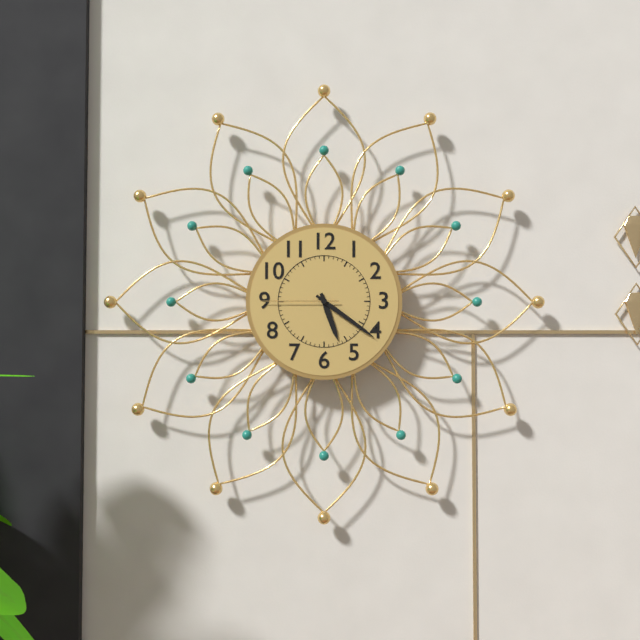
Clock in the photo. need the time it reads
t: 5:21:45
